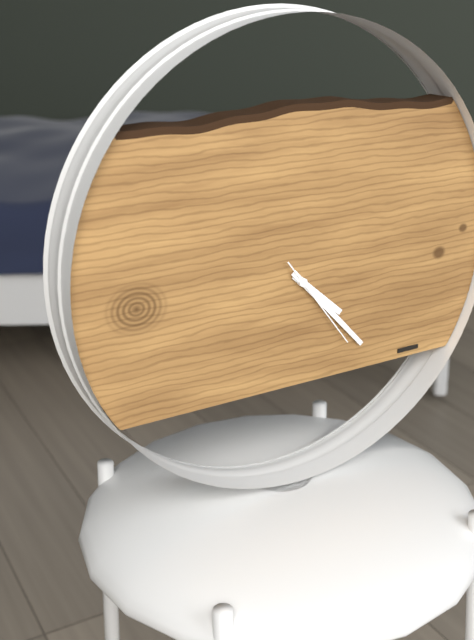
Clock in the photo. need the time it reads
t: 4:23:24
